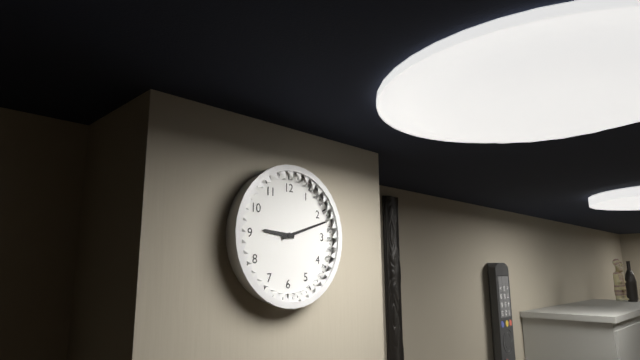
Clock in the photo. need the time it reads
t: 9:12
